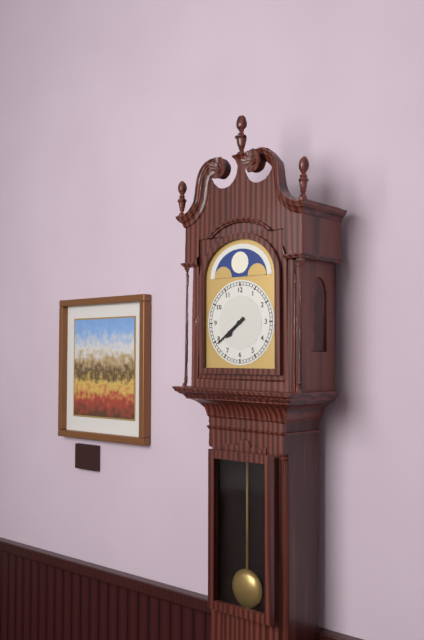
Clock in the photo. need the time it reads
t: 7:39
